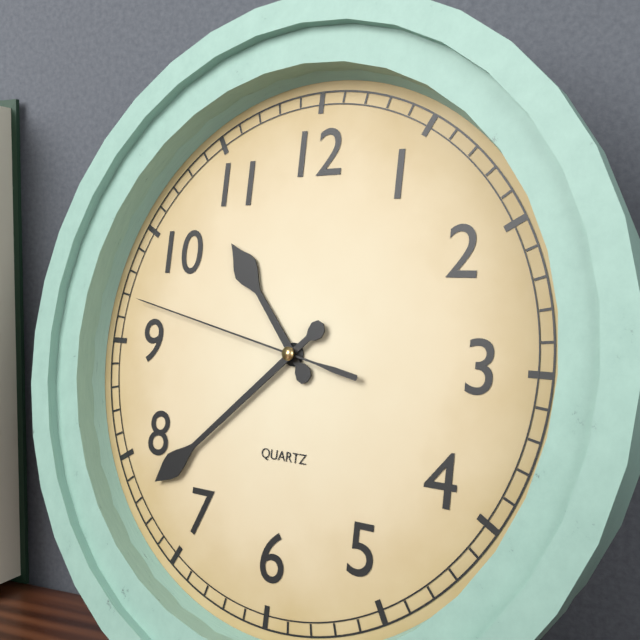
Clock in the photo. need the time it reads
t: 10:38:47
